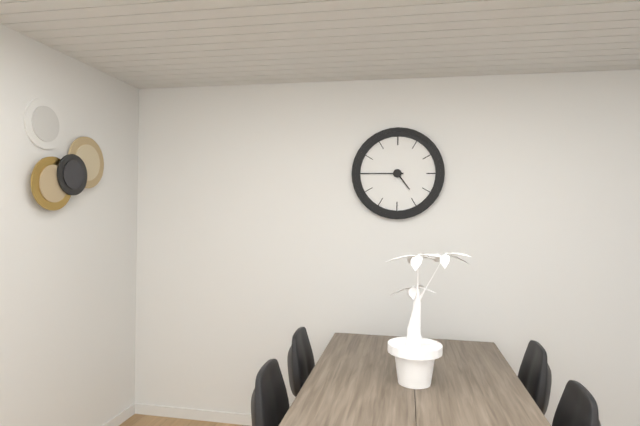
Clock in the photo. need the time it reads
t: 4:45
